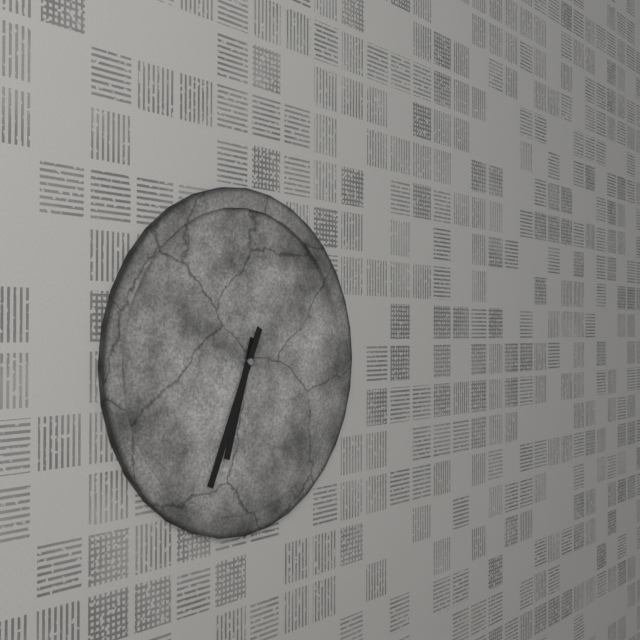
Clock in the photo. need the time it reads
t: 6:34
